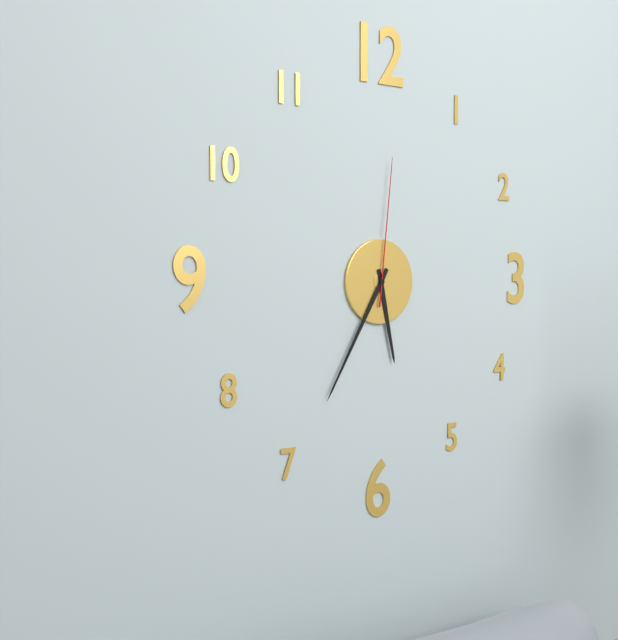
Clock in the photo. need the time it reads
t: 5:35:01
